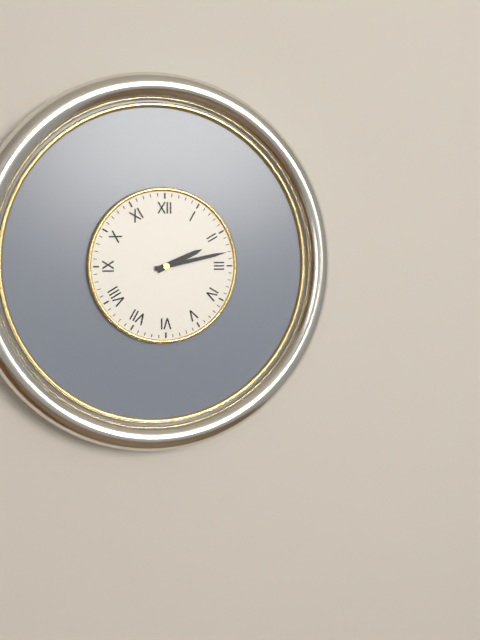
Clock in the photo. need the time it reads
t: 2:13
